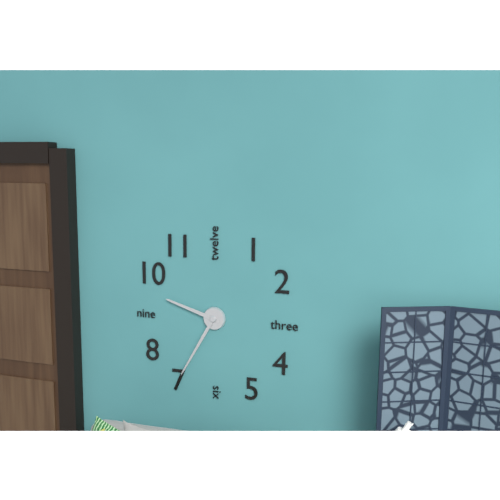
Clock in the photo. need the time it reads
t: 9:35
